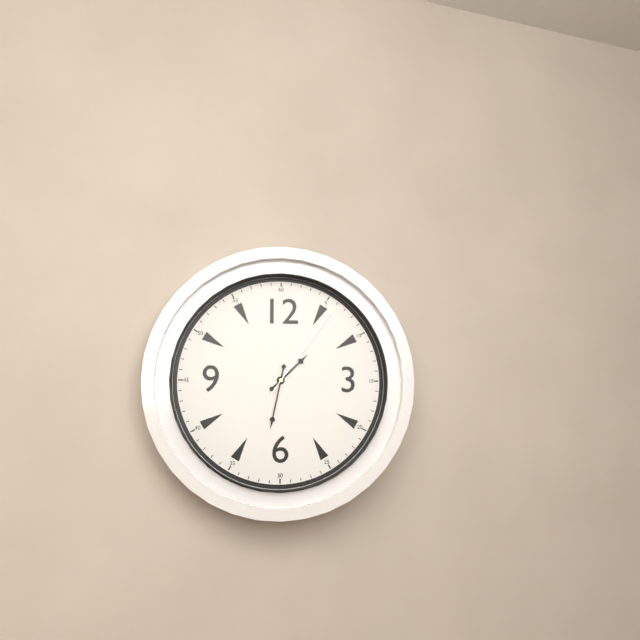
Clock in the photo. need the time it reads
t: 1:32:06
